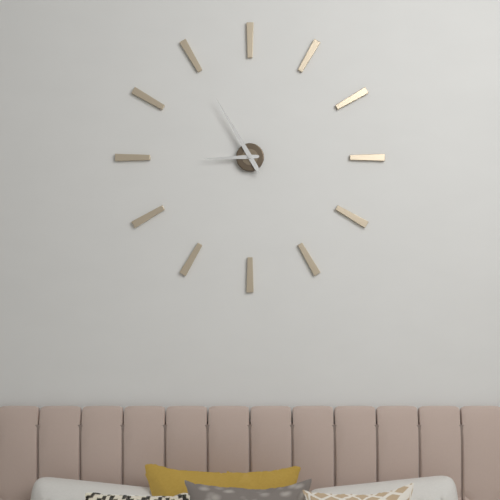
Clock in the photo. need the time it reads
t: 8:55
